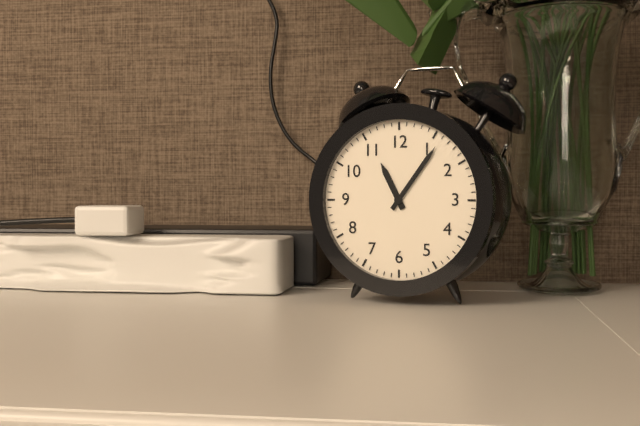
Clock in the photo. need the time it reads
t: 11:06
